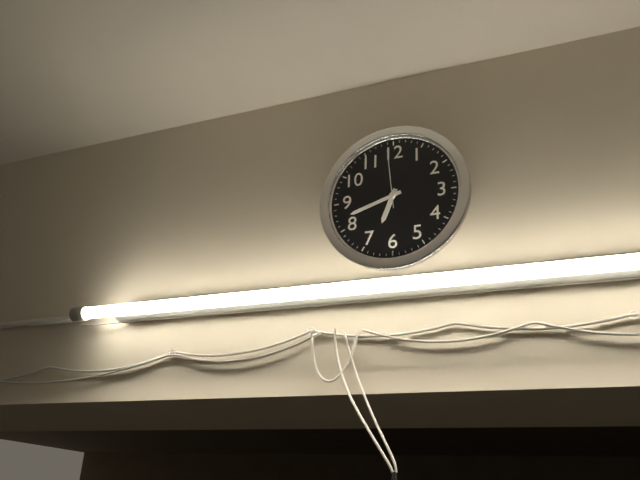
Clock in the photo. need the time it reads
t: 6:42:59
